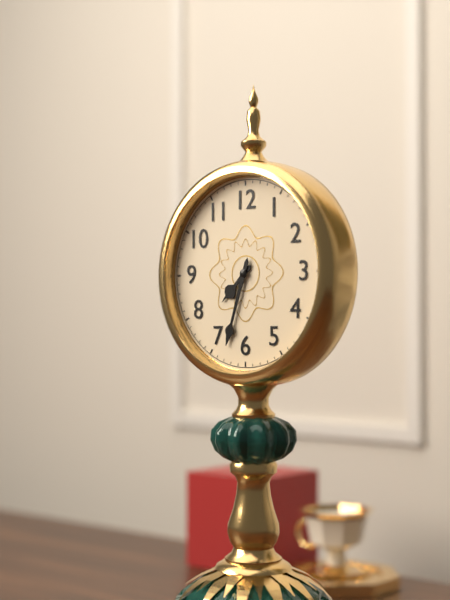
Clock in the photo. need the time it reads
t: 7:33
